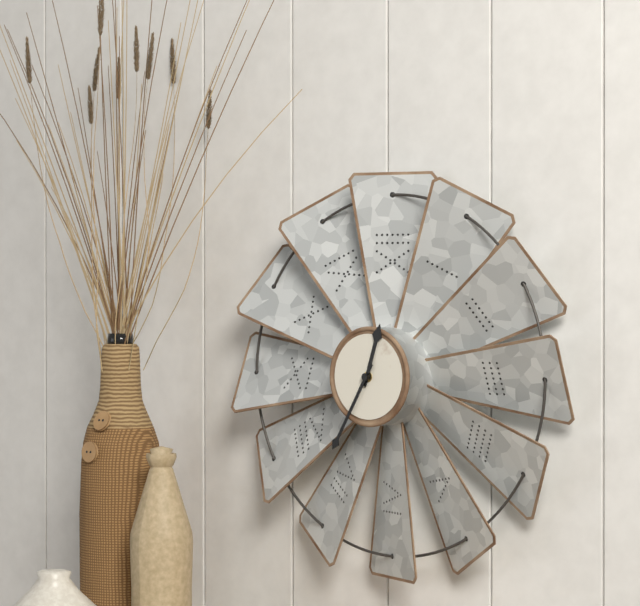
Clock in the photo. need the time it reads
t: 12:35
